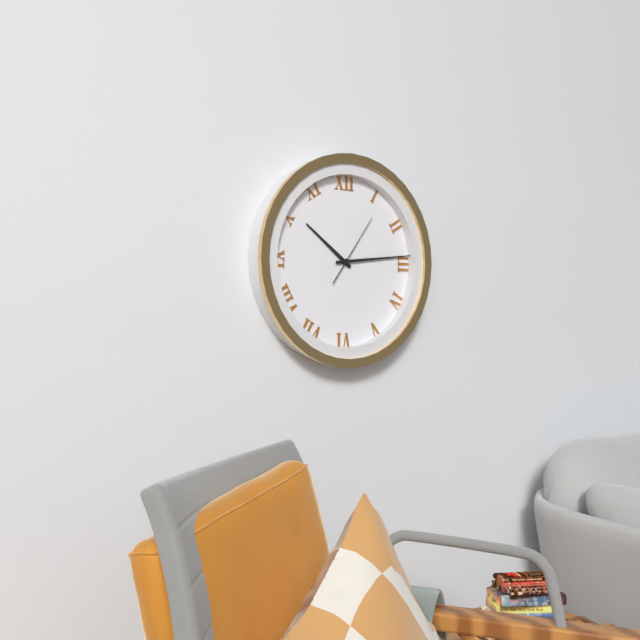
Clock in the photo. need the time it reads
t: 10:14:06
